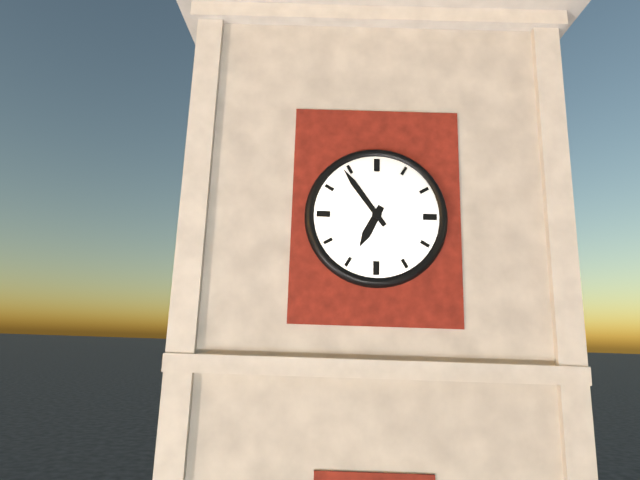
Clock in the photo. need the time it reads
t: 6:54
